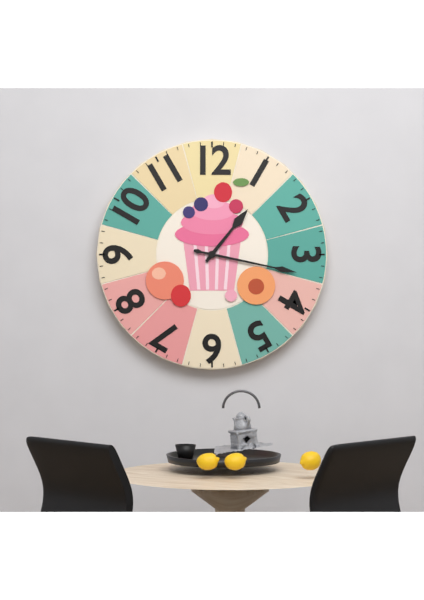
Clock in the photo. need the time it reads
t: 1:17
